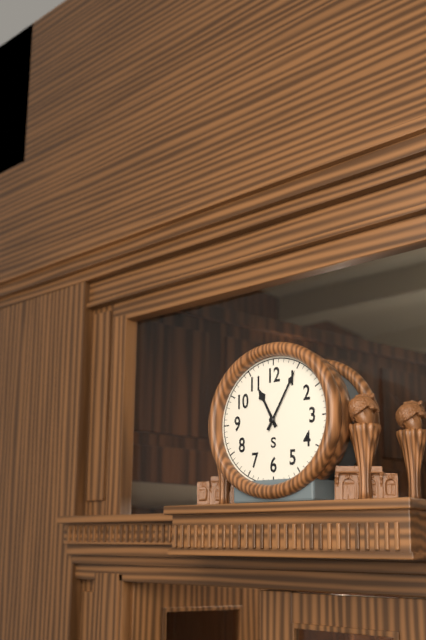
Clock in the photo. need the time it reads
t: 11:05
